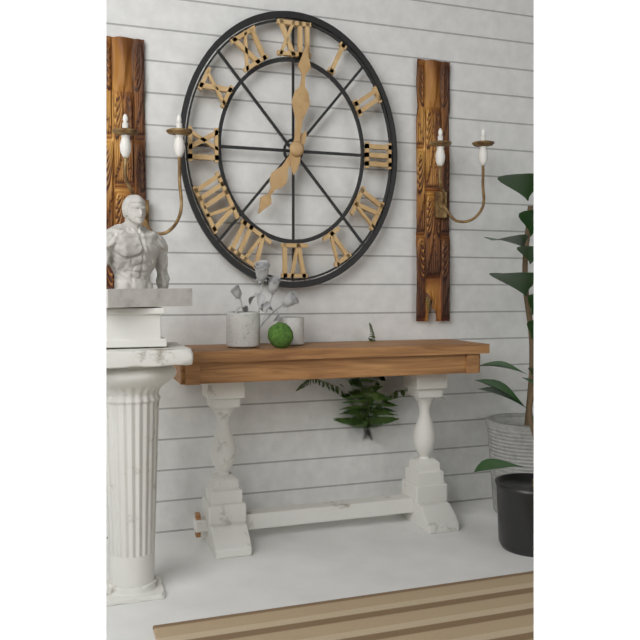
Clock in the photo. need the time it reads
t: 7:01
